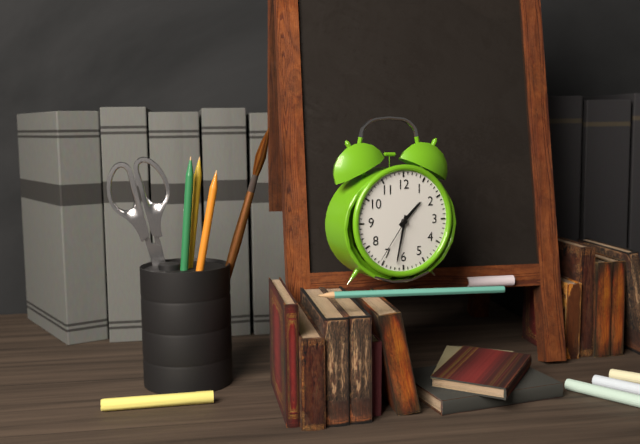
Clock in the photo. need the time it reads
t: 1:32:36
